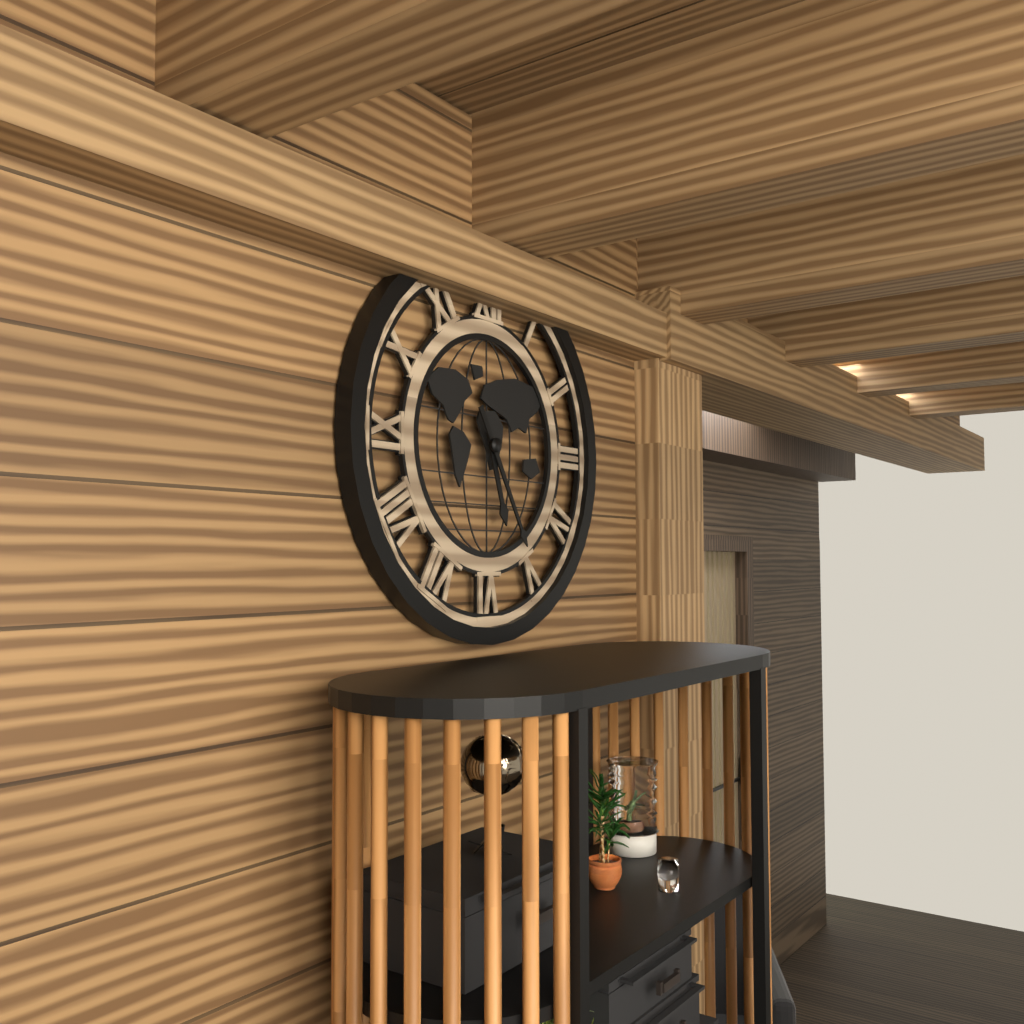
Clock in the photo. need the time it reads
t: 5:25
